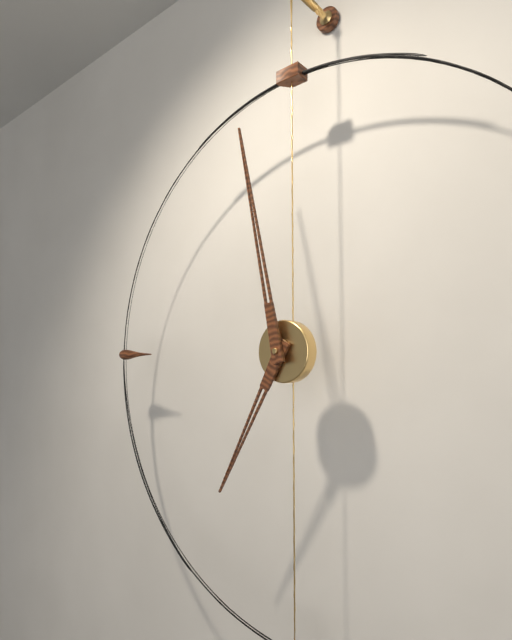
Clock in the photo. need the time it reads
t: 6:58
